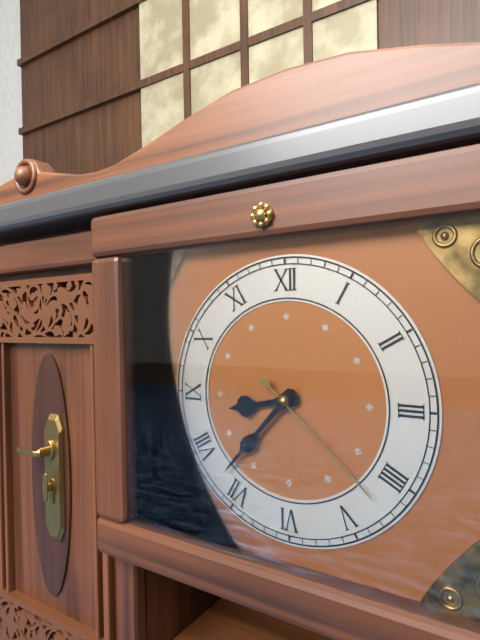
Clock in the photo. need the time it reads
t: 8:37:22
